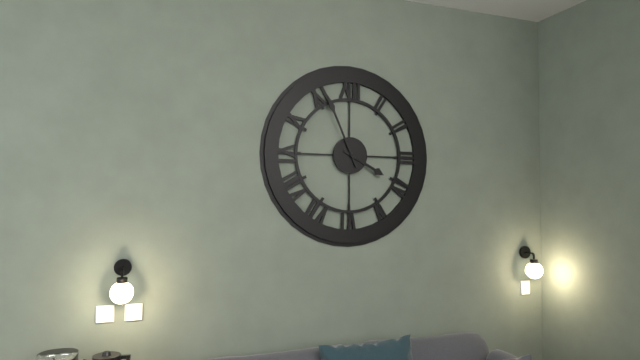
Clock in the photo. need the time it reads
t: 3:56
